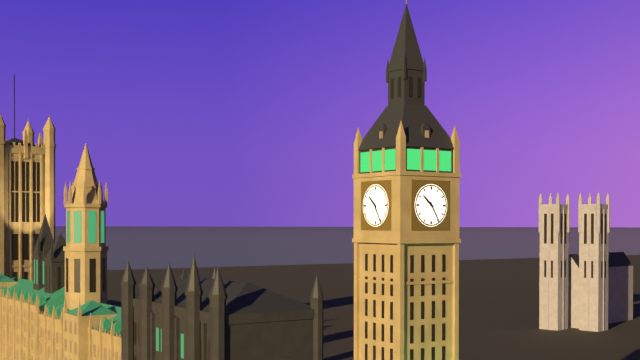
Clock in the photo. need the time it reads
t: 10:25
